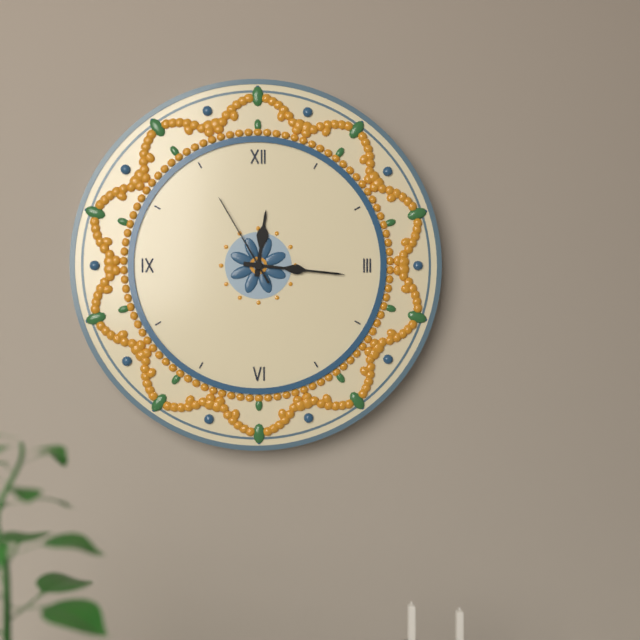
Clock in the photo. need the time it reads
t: 12:16:55
